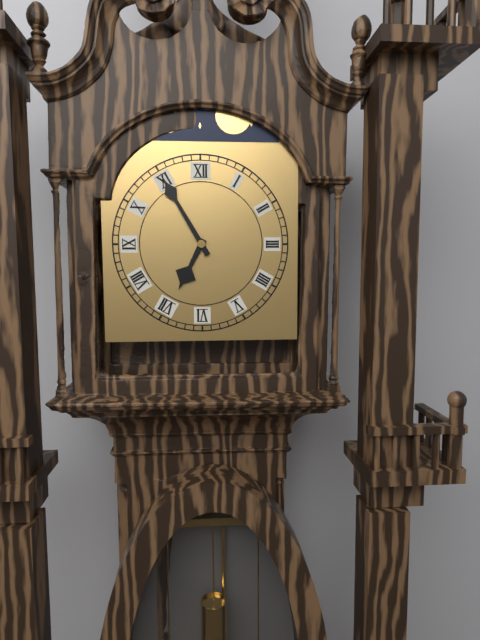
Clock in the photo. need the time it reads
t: 6:55
